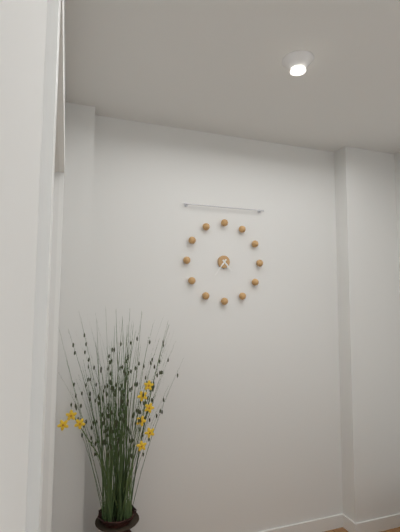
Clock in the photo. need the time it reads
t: 4:36
